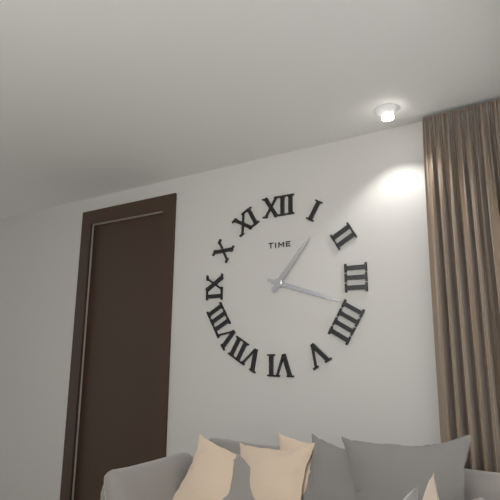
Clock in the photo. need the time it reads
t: 1:18
